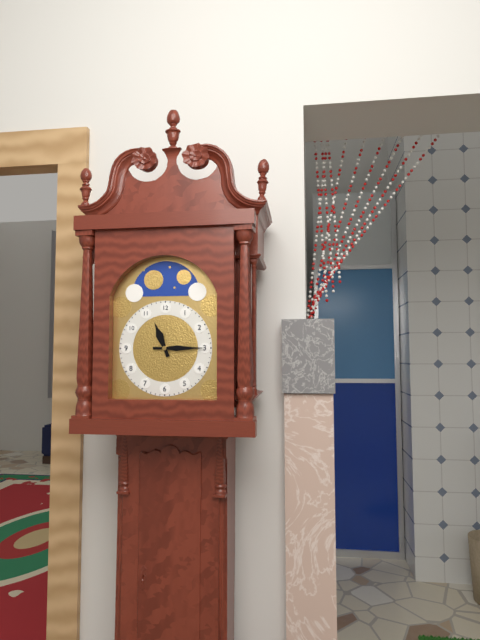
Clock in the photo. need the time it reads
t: 11:15
